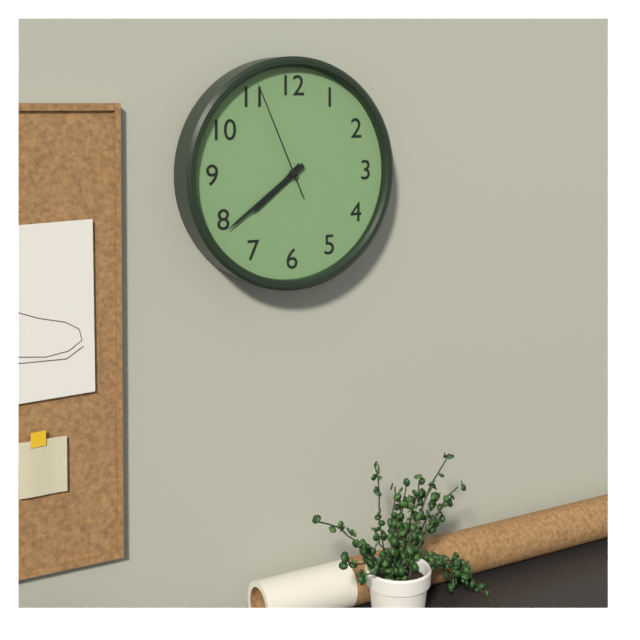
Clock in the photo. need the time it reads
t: 7:39:56
